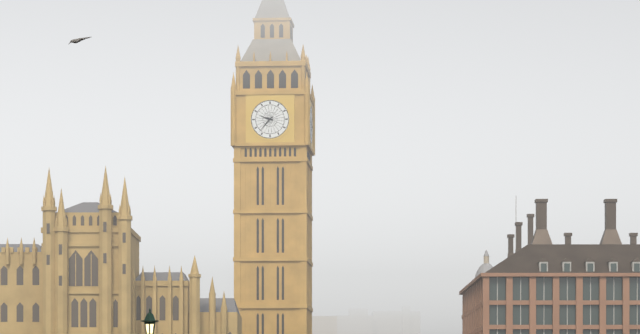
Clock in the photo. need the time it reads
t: 9:37
